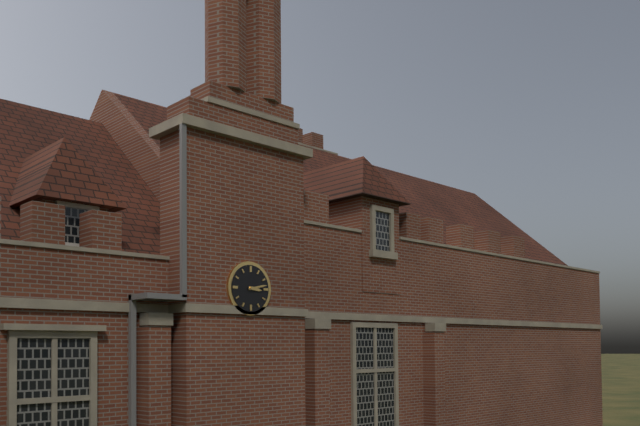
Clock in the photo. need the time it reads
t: 3:13
